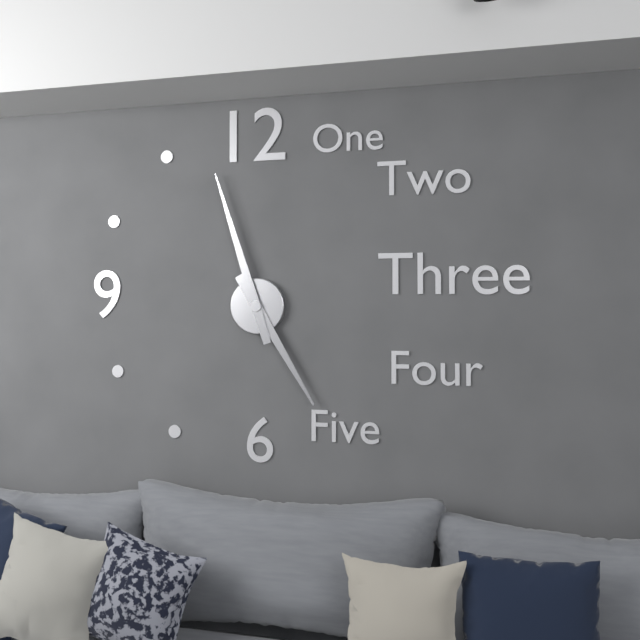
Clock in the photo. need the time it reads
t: 4:57
